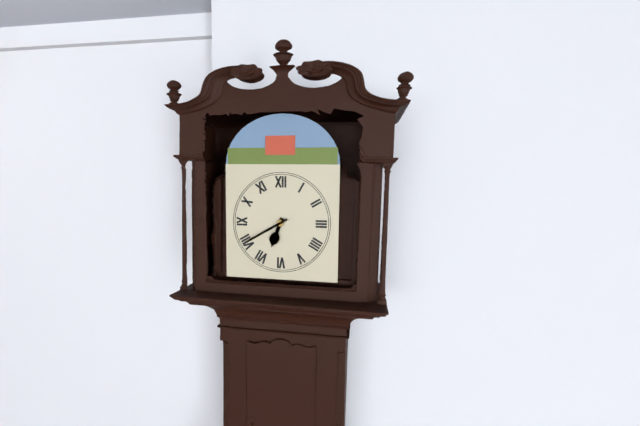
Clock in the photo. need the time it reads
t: 6:40
